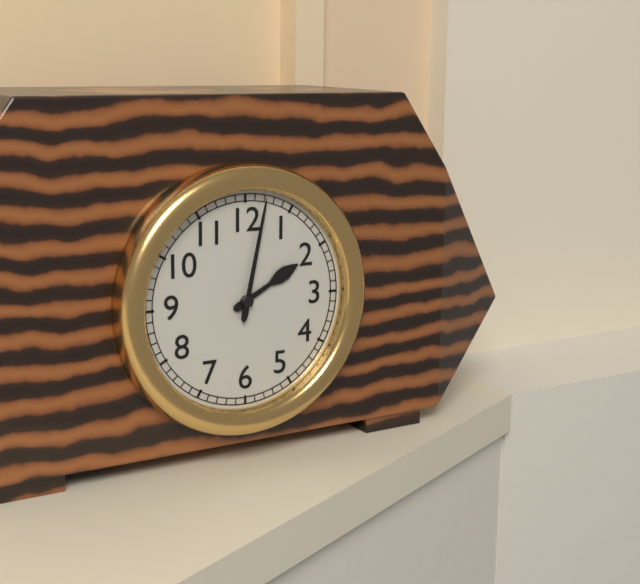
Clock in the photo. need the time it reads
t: 2:02
